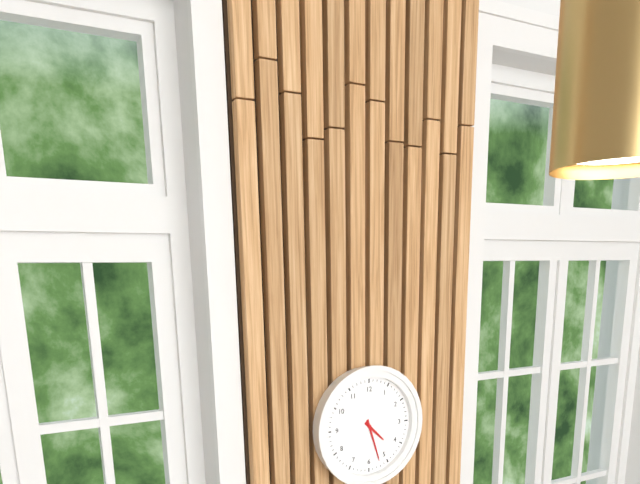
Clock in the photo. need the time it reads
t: 4:27
